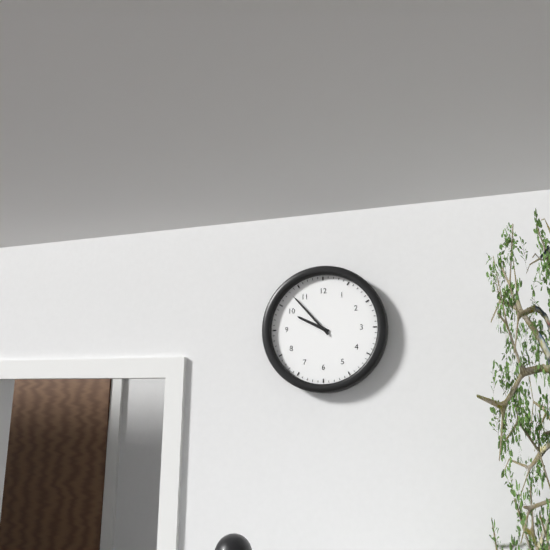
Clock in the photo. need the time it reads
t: 9:53
